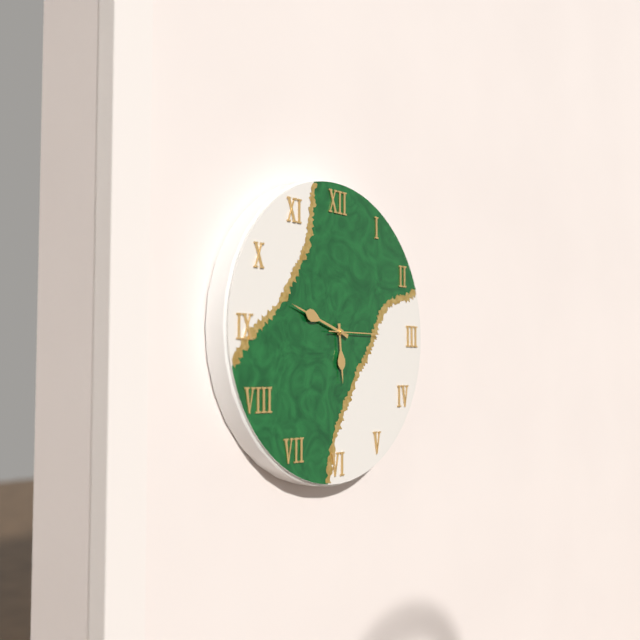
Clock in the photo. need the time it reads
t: 5:48
